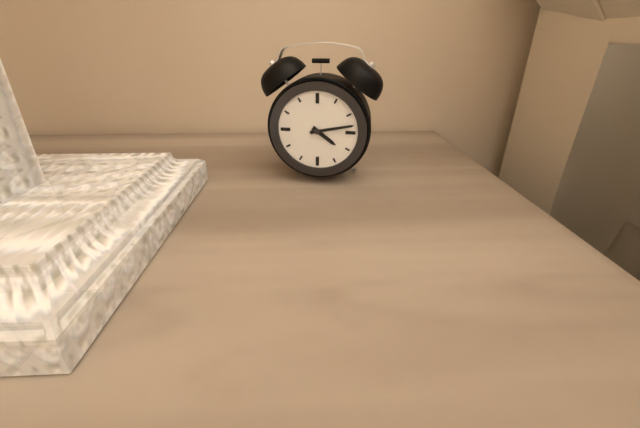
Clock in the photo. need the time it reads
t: 4:13
